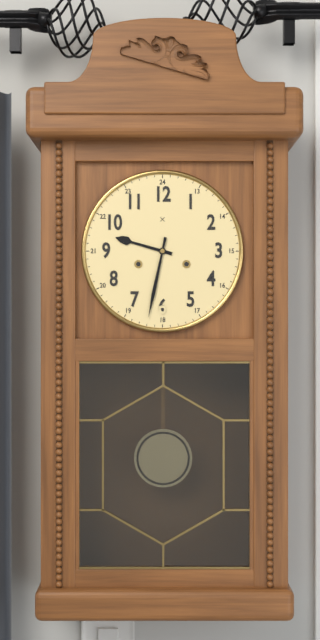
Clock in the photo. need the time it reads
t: 9:32
